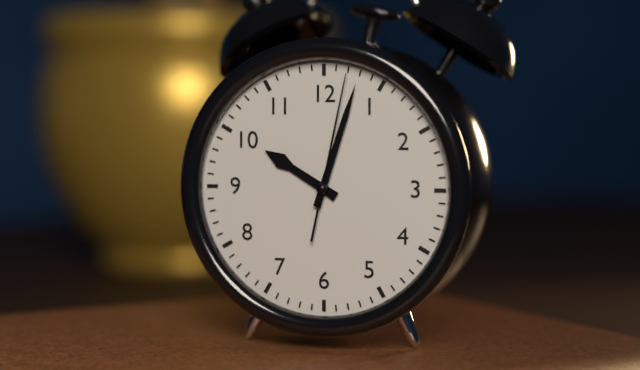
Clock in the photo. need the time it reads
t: 10:03:02
